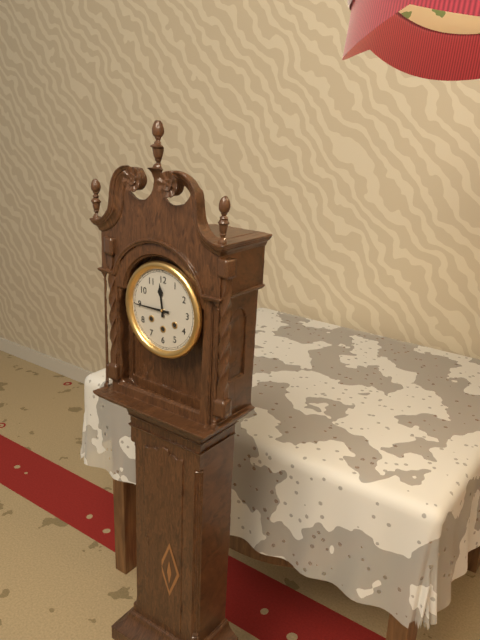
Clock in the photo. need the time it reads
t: 11:45
